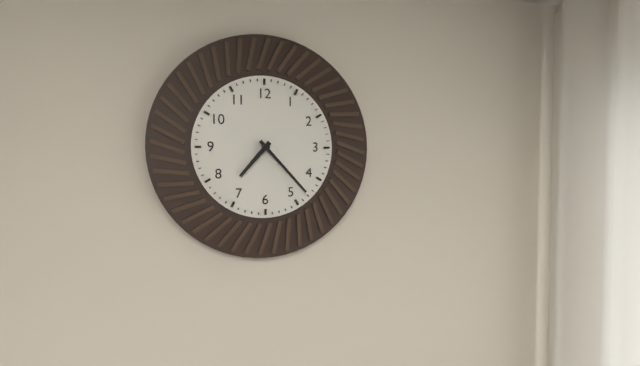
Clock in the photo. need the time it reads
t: 7:23
